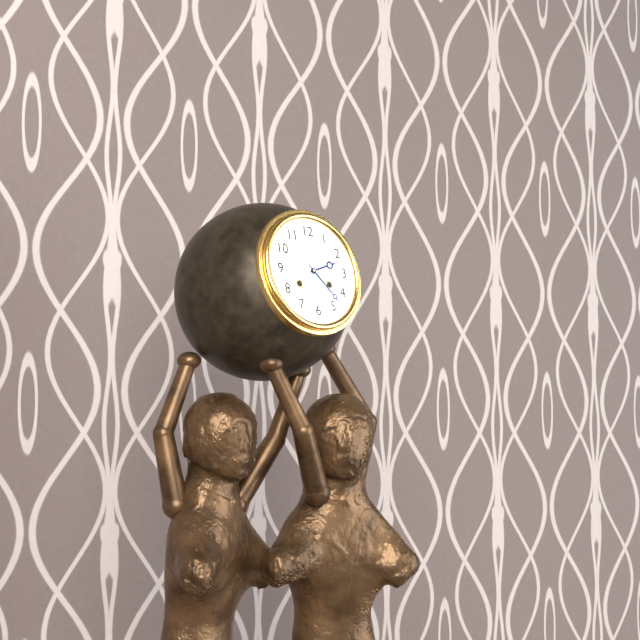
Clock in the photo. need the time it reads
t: 2:23
